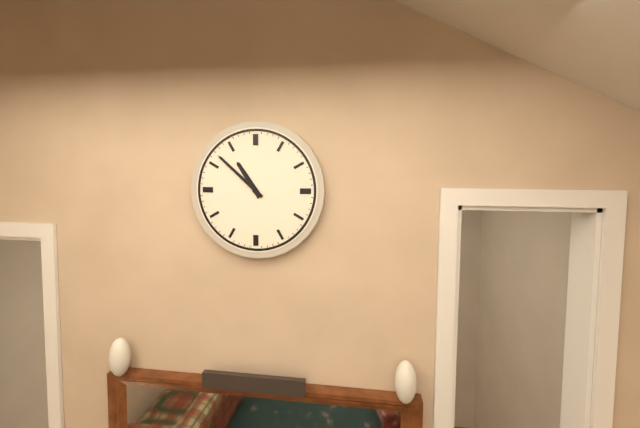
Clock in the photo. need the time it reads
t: 10:52
